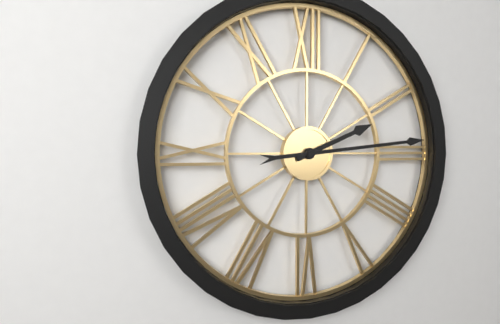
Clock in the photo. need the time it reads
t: 2:14
